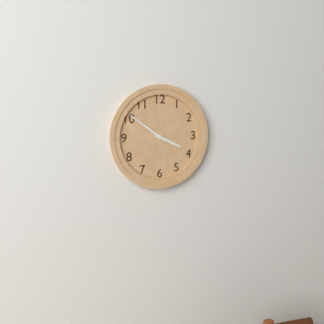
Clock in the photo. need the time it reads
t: 3:51
